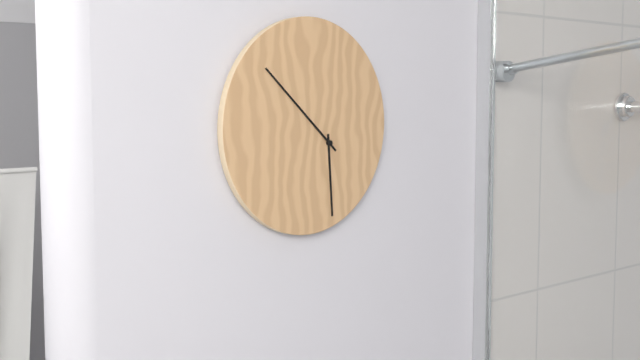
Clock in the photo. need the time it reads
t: 5:52
